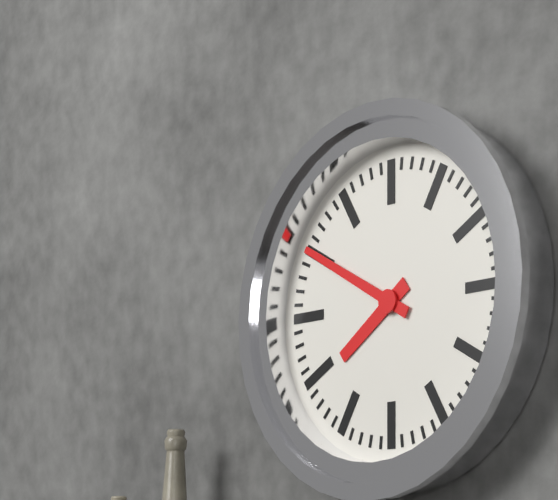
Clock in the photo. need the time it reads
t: 7:50
